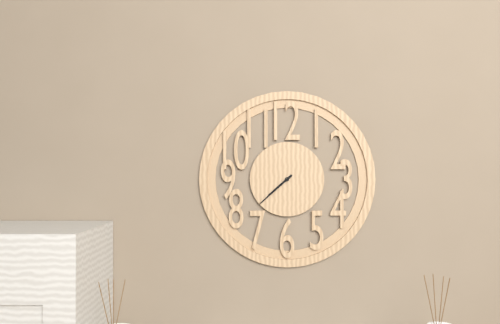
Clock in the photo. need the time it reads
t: 7:38
